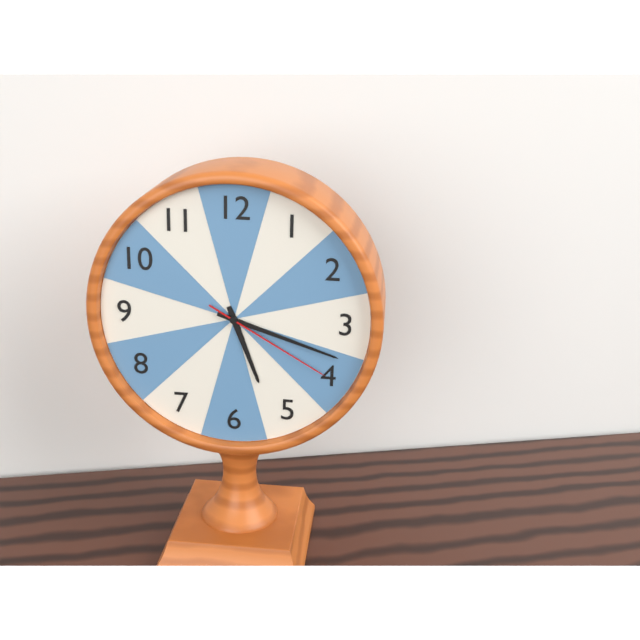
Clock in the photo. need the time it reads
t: 5:18:20
